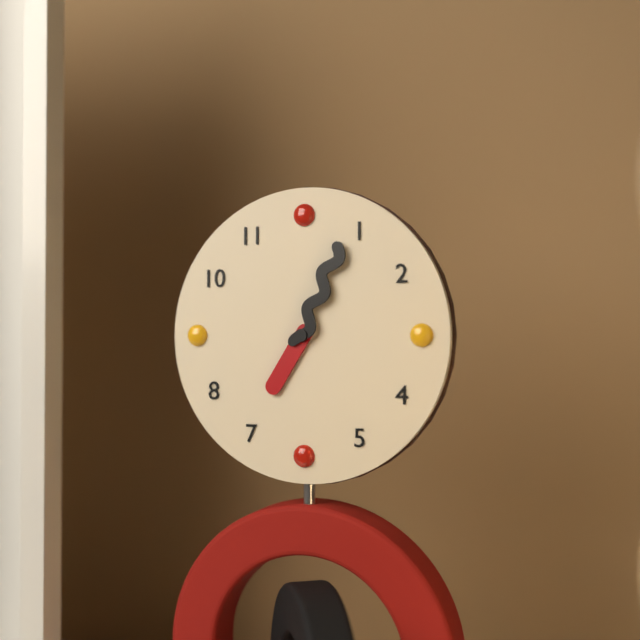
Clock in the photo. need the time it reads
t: 7:04
